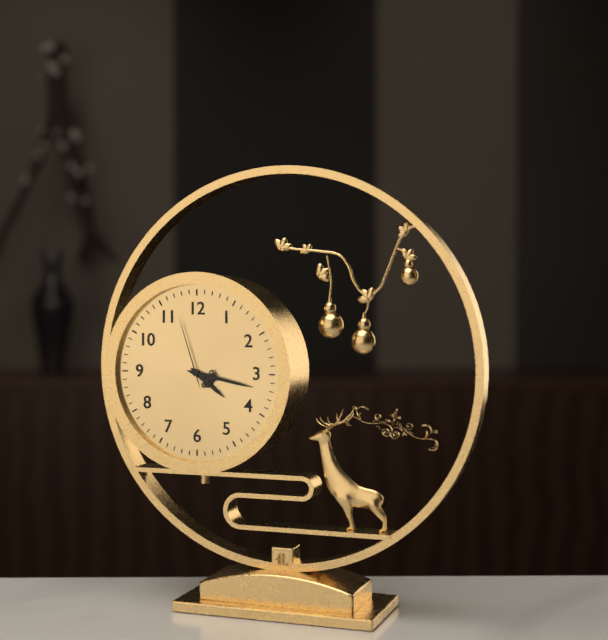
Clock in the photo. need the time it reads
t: 4:17:57
